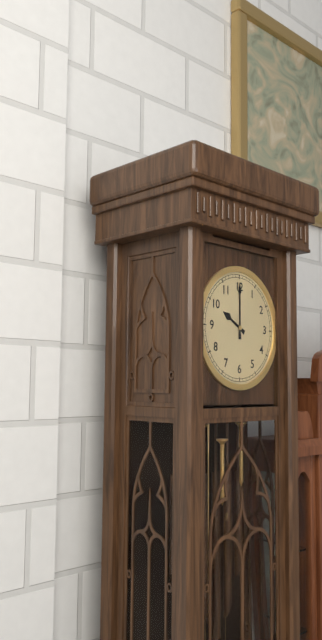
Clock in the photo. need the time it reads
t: 10:00
